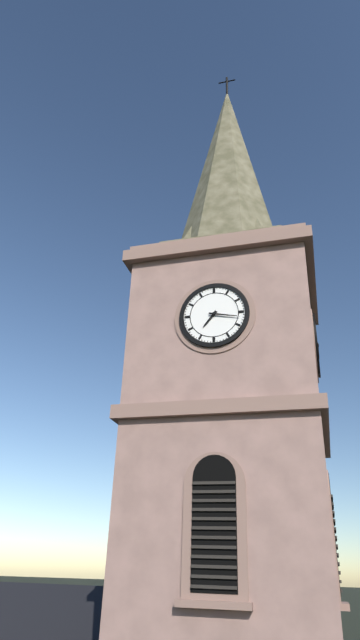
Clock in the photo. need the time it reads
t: 7:17
